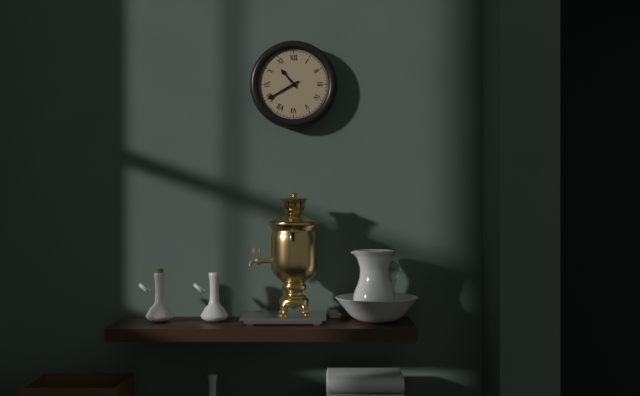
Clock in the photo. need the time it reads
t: 10:40
